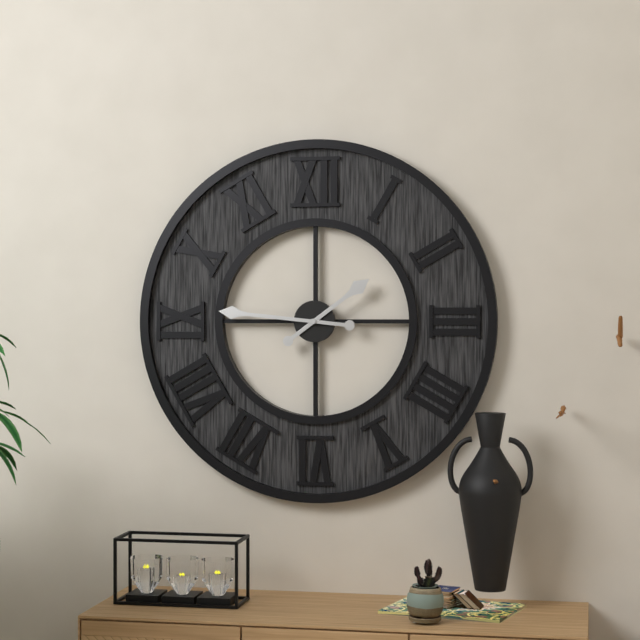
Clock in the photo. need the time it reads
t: 1:46
